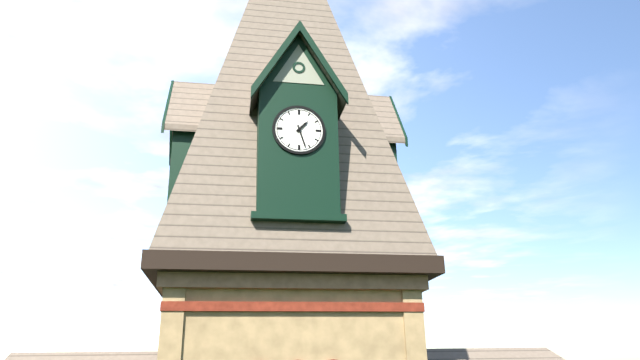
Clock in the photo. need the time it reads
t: 1:27
